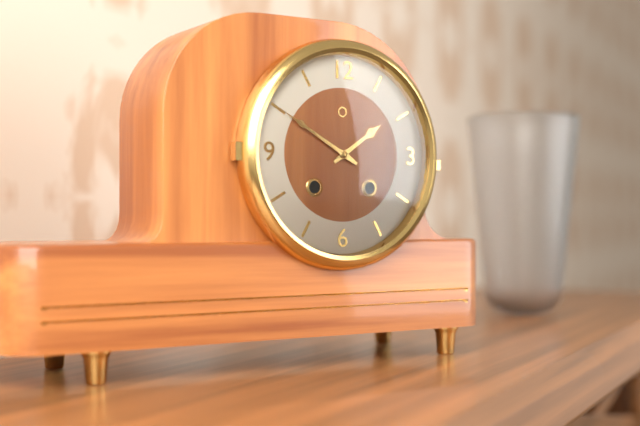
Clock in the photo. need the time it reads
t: 1:50
